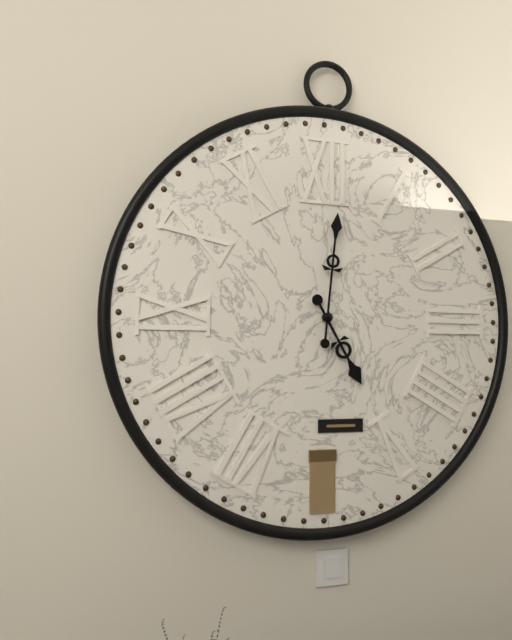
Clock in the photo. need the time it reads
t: 5:01
